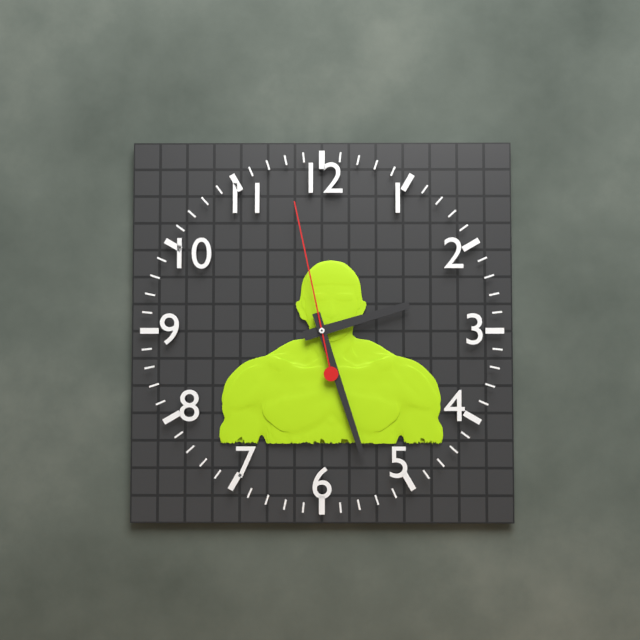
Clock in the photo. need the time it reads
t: 2:27:58
